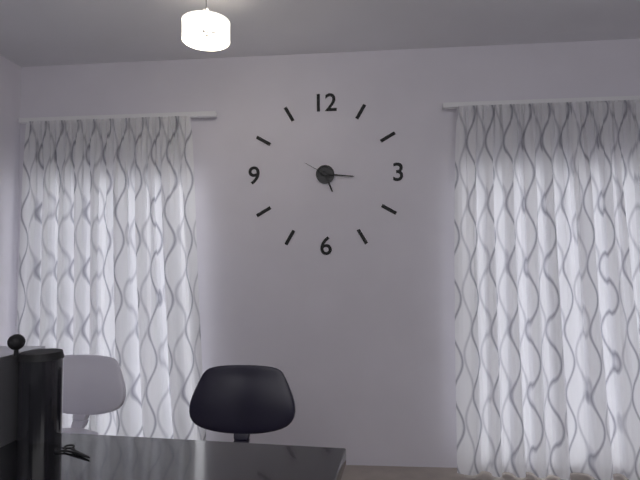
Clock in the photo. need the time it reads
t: 5:16
